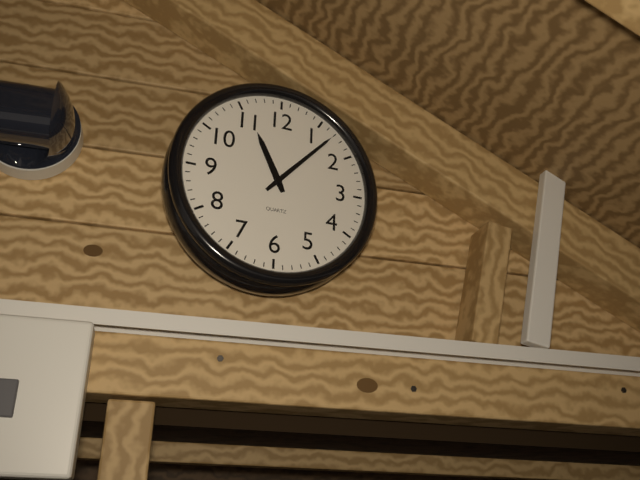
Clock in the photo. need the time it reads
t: 11:07
